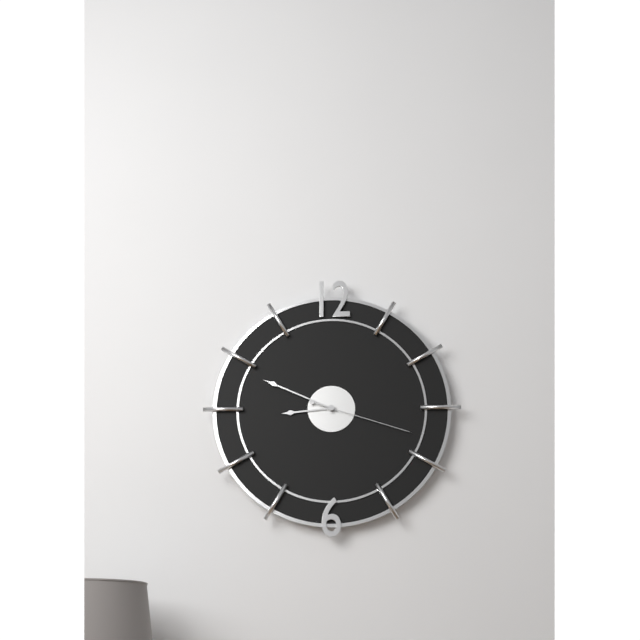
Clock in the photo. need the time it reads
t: 8:49:18
